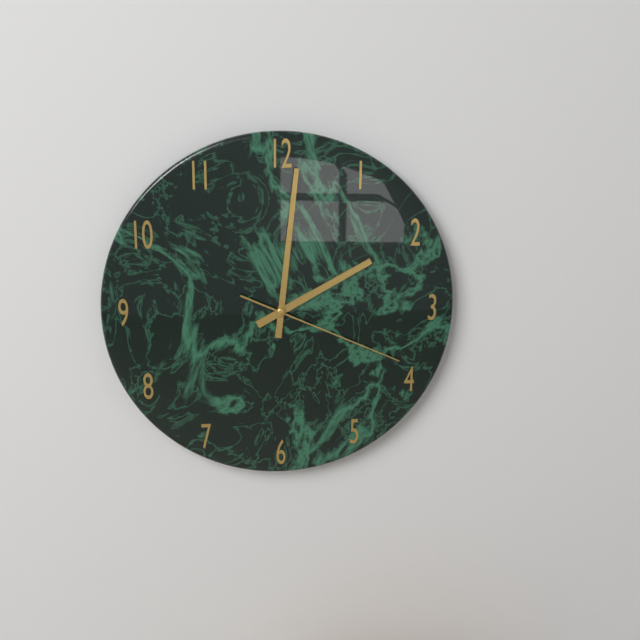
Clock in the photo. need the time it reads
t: 2:01:19
